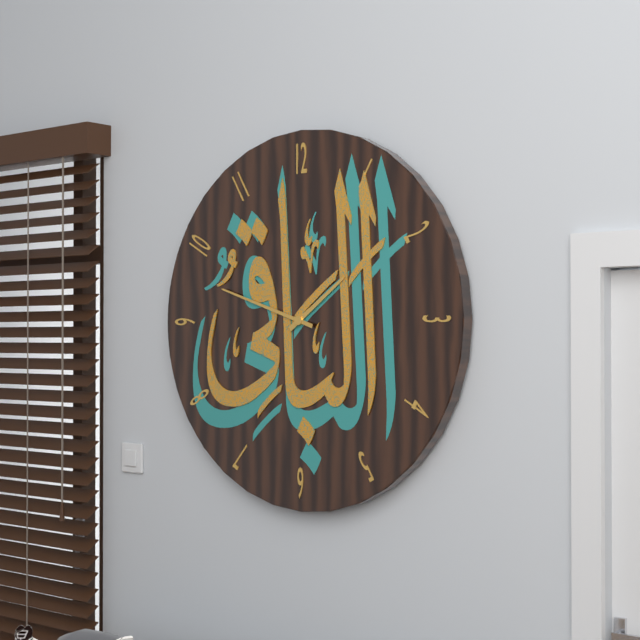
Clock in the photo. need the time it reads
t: 1:48
